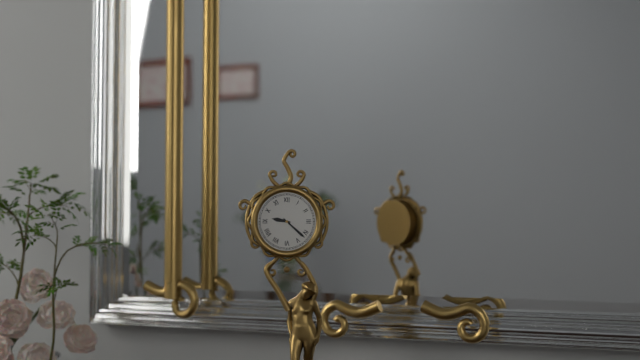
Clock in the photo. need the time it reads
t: 9:22
